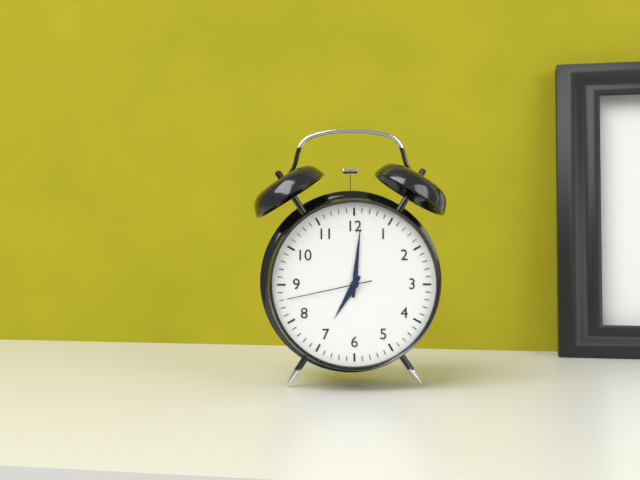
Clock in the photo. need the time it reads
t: 7:01:43
